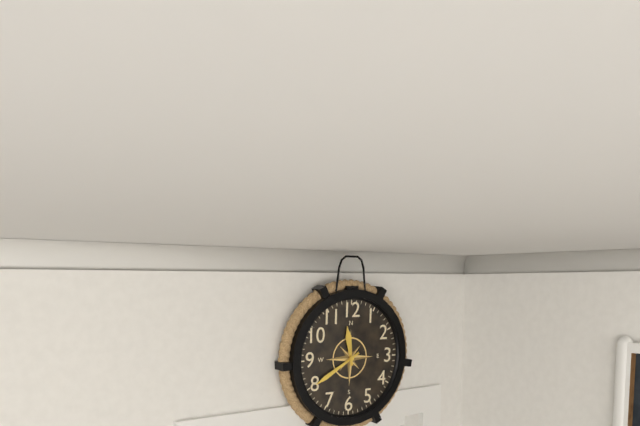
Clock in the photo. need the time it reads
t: 11:40
